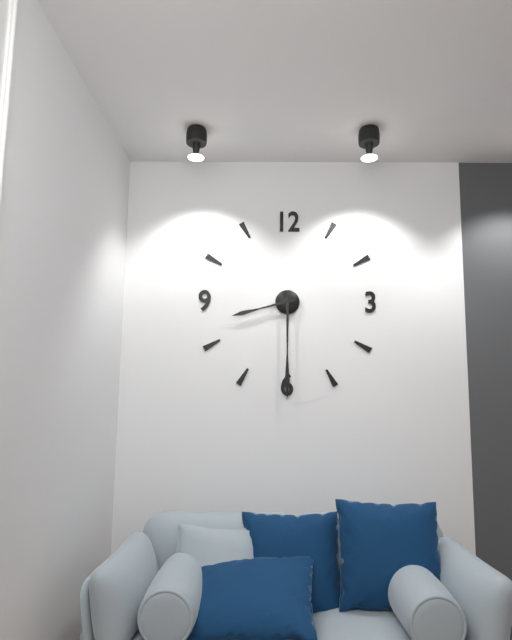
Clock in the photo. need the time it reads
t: 8:30
